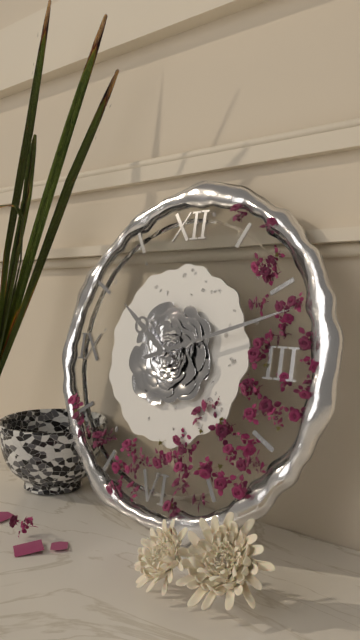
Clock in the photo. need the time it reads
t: 10:12
